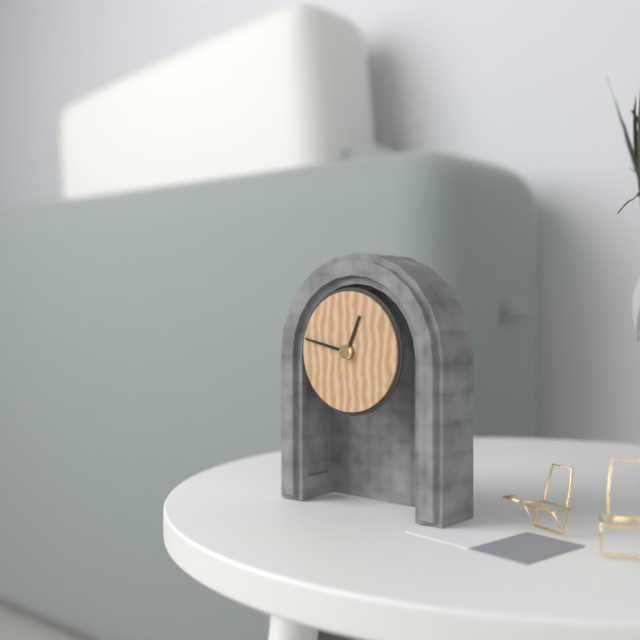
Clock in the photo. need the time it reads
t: 12:47
